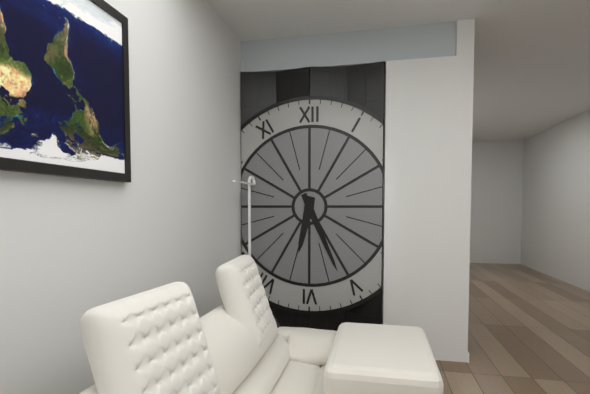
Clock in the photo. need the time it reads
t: 6:26
